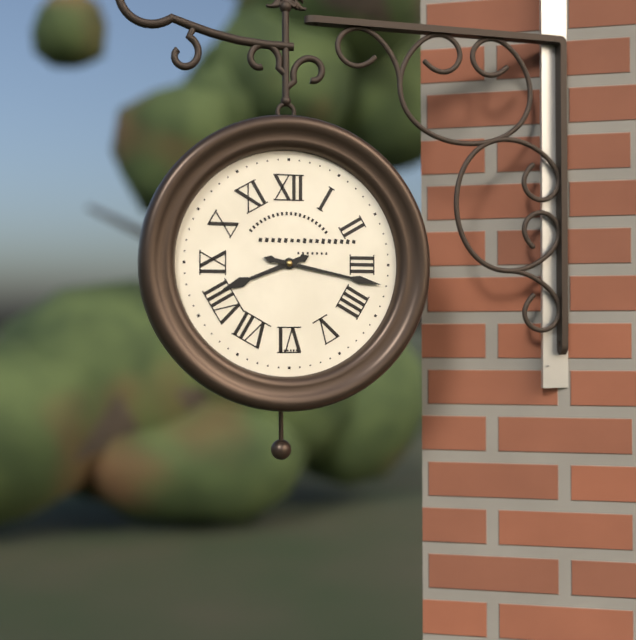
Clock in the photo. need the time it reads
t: 8:17
